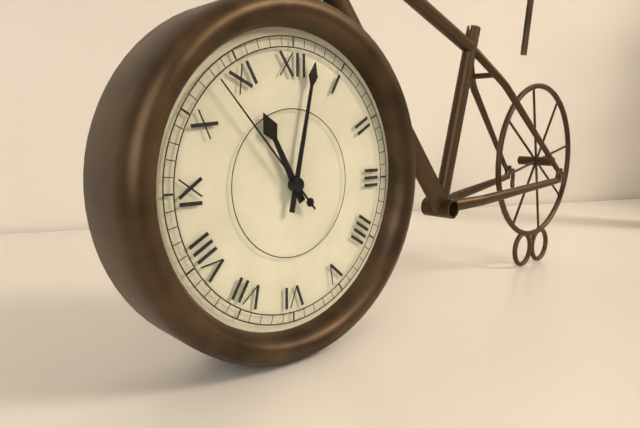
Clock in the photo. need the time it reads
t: 11:02:53
